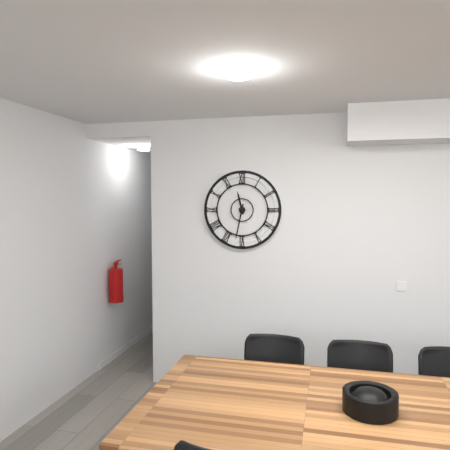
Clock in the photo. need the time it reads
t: 11:32
